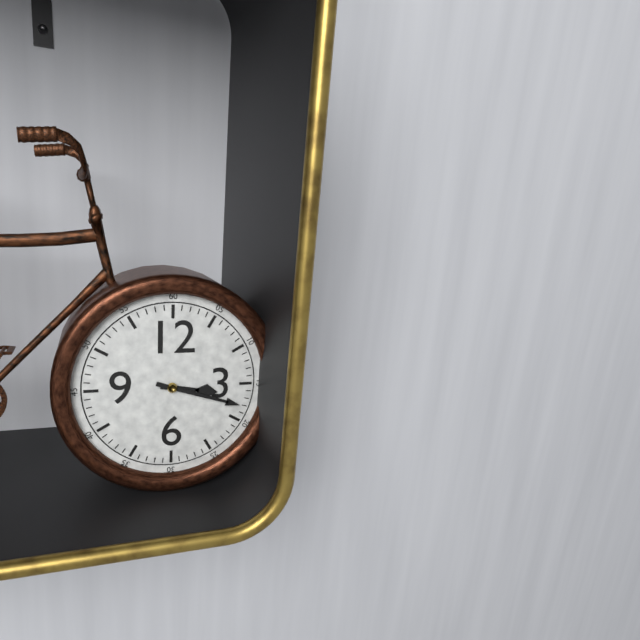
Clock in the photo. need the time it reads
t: 3:18
